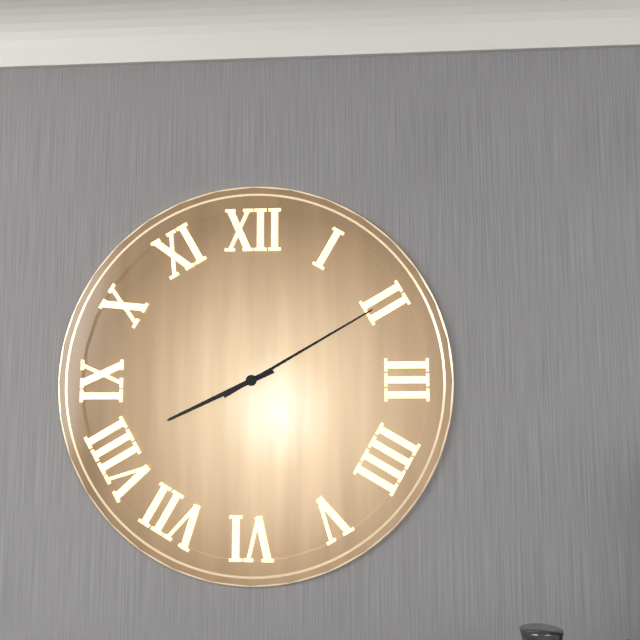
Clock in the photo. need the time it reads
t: 8:10
